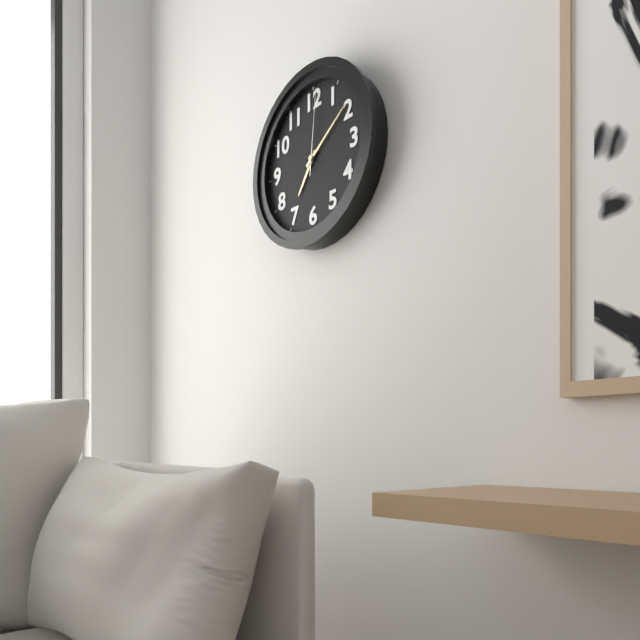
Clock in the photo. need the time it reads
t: 7:09:01
